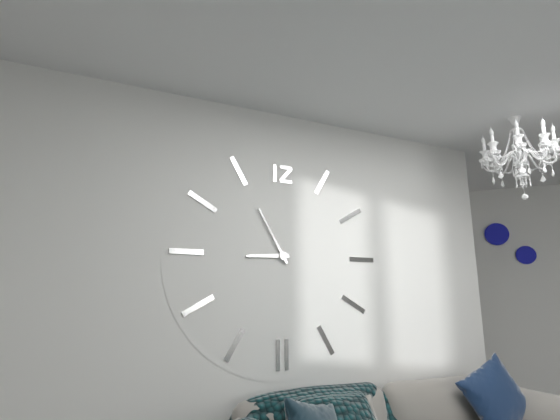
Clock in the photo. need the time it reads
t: 8:55
